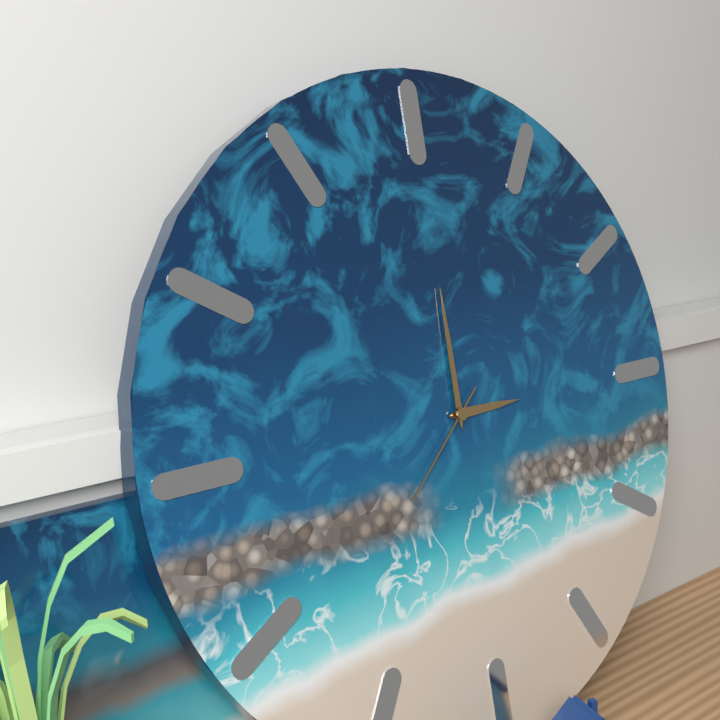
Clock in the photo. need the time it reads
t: 3:00:38
